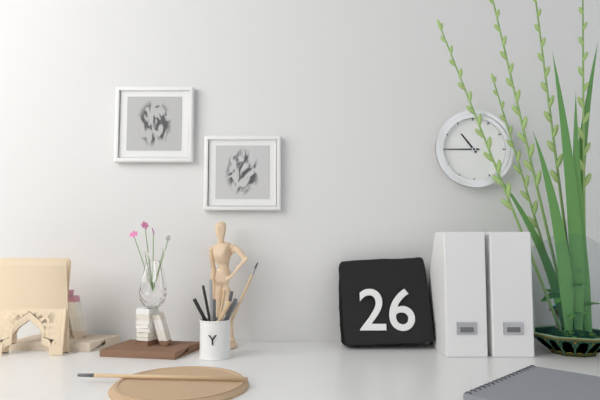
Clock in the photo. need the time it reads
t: 10:45
